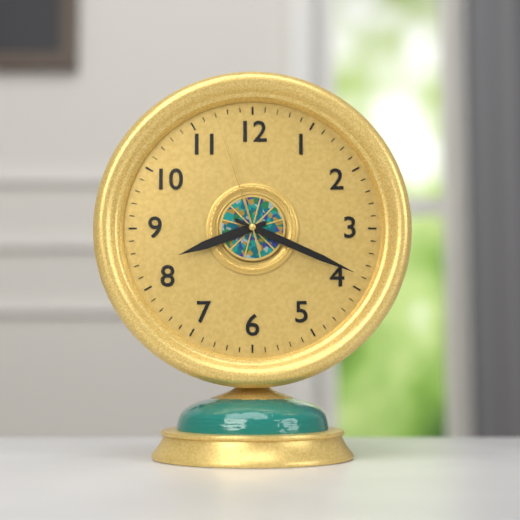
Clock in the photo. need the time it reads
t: 8:19:57
